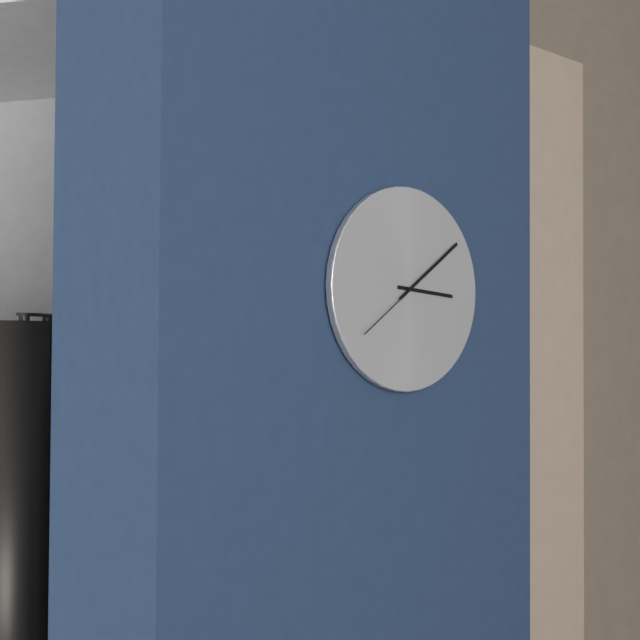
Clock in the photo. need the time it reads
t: 3:09:39
